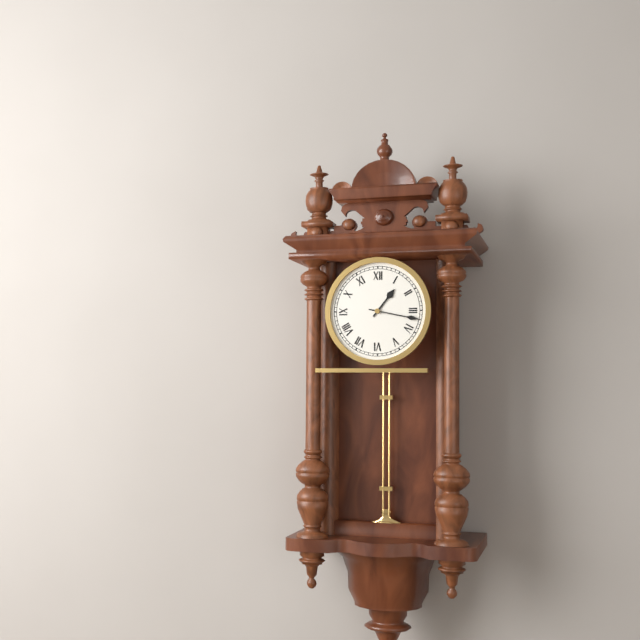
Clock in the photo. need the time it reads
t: 1:17
